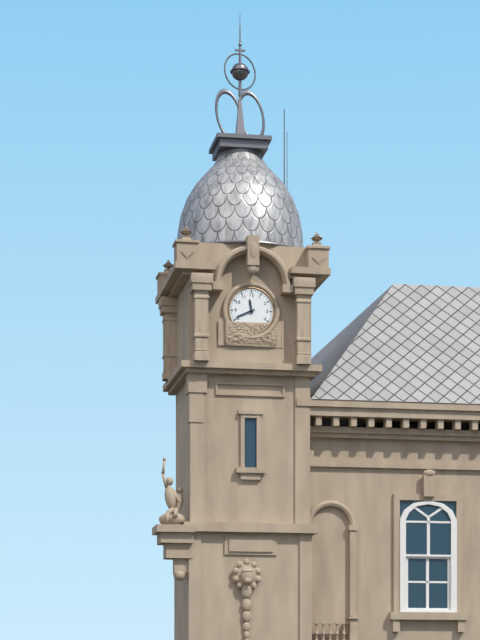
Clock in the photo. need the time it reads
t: 11:41
